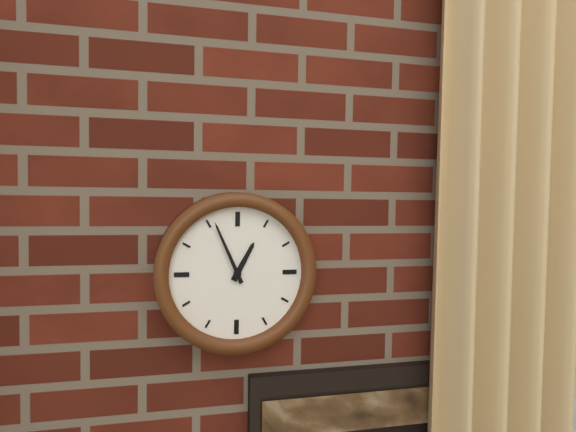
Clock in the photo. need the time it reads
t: 12:56
